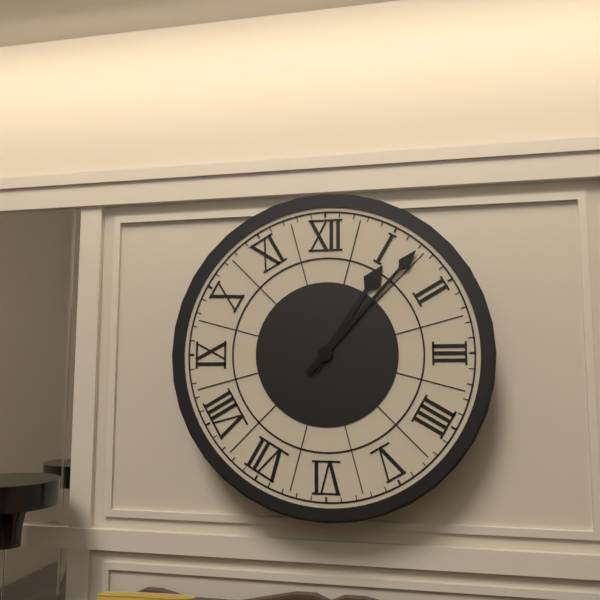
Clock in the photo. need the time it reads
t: 1:07
